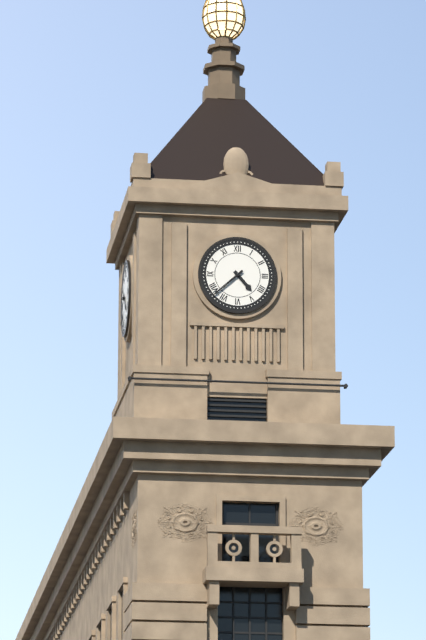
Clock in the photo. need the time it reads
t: 4:38
